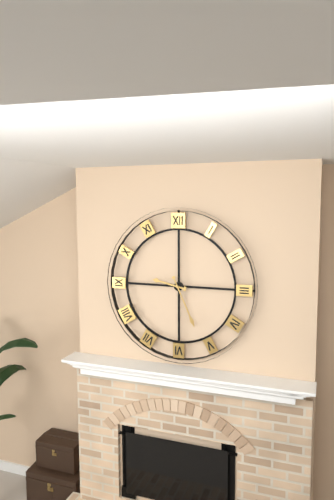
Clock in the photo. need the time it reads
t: 9:26
